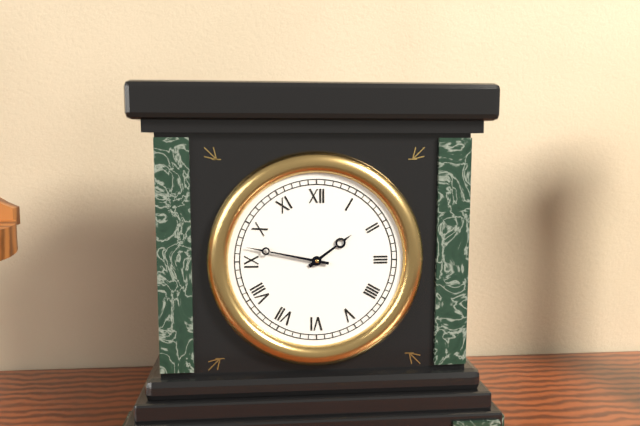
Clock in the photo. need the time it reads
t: 1:47
